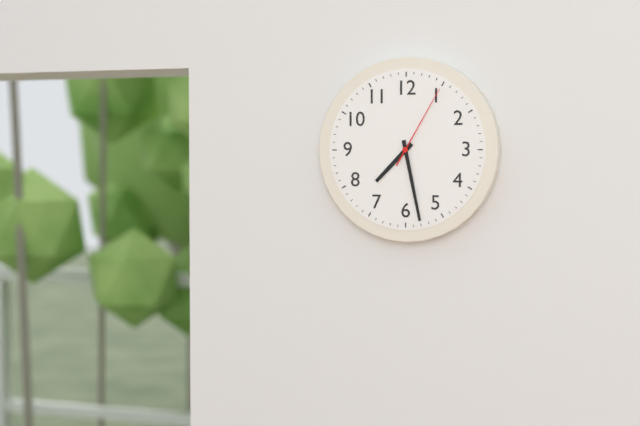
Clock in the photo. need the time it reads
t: 7:28:05
